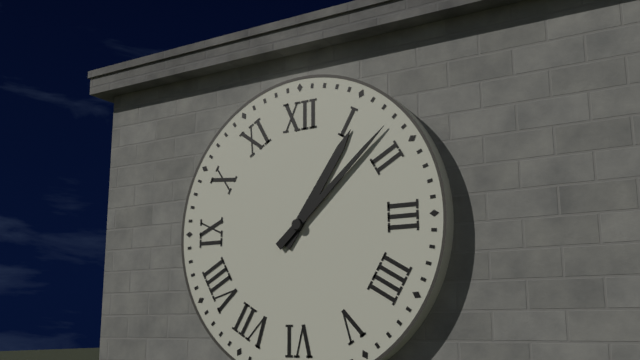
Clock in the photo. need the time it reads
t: 1:08
